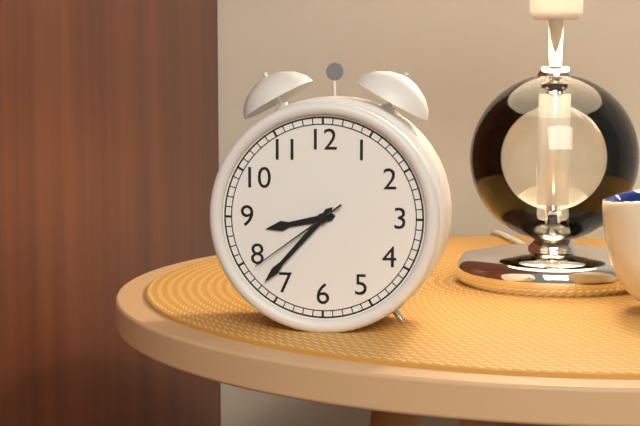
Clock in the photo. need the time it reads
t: 8:37:39
